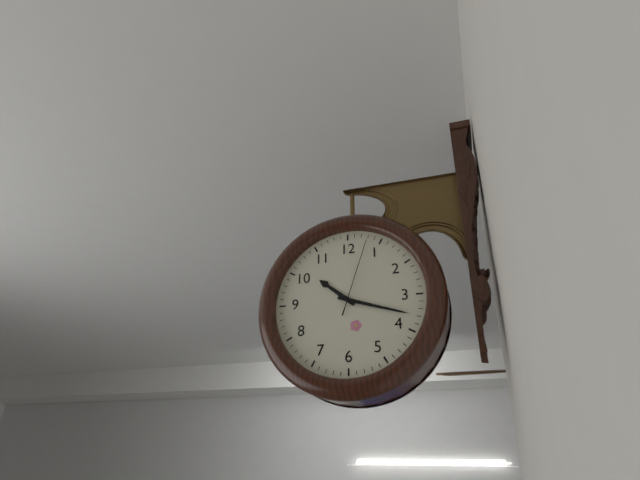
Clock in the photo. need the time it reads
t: 10:18:03
